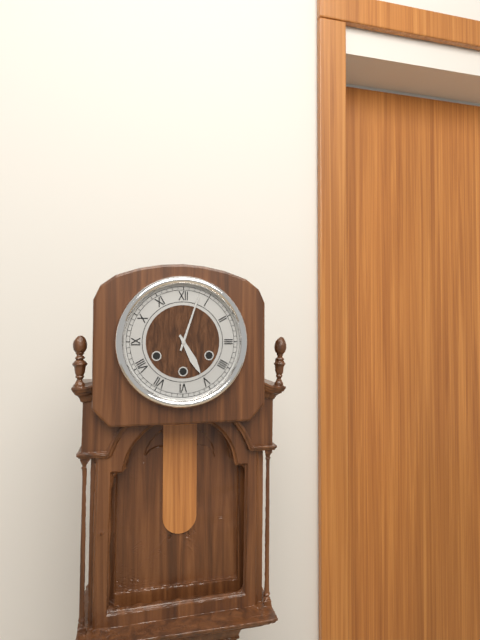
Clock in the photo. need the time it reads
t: 5:03
